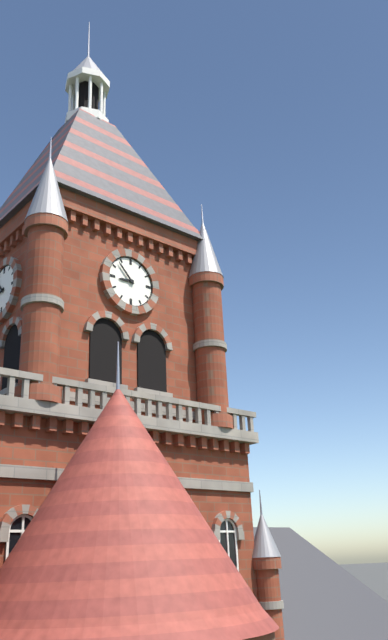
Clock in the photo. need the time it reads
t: 8:53
